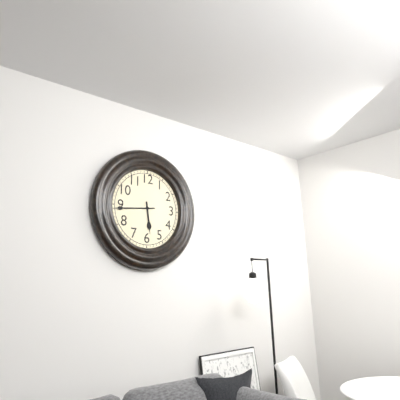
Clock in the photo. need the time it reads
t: 5:44
